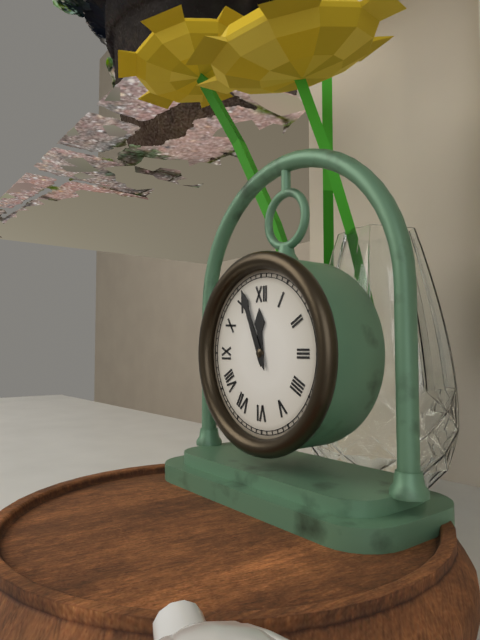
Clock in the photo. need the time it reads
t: 11:56
